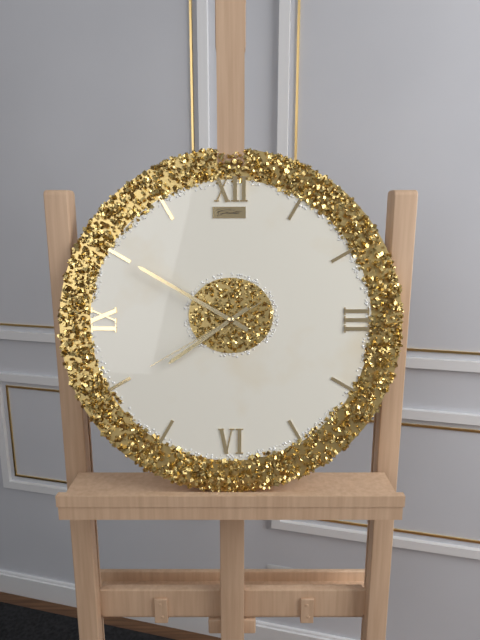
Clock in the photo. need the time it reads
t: 7:50:40
